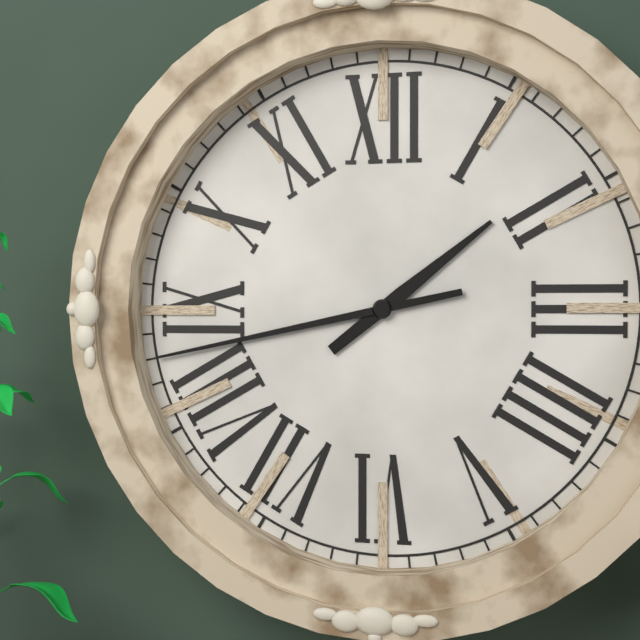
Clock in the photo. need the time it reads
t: 1:43
